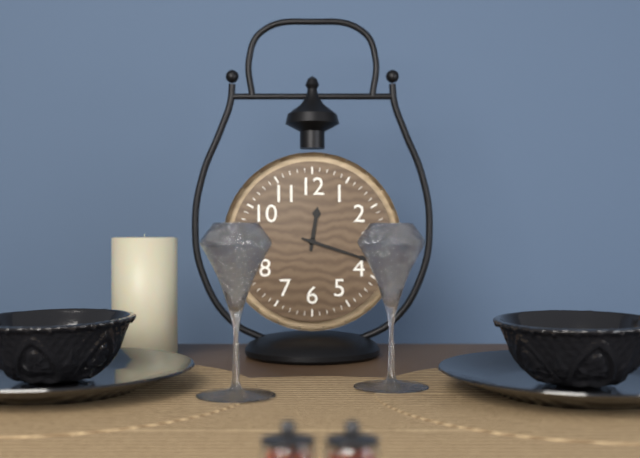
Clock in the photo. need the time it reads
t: 12:18
